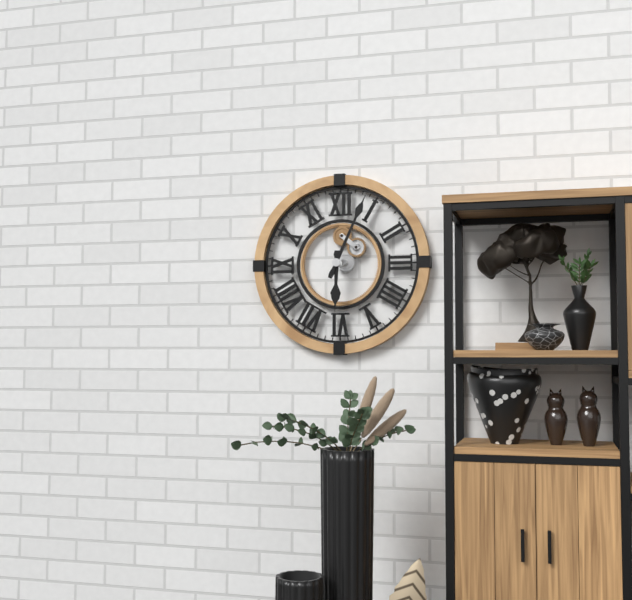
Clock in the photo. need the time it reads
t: 6:04
